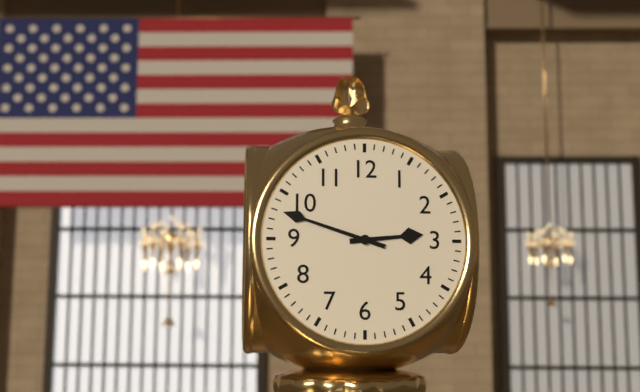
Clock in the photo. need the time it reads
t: 2:48
